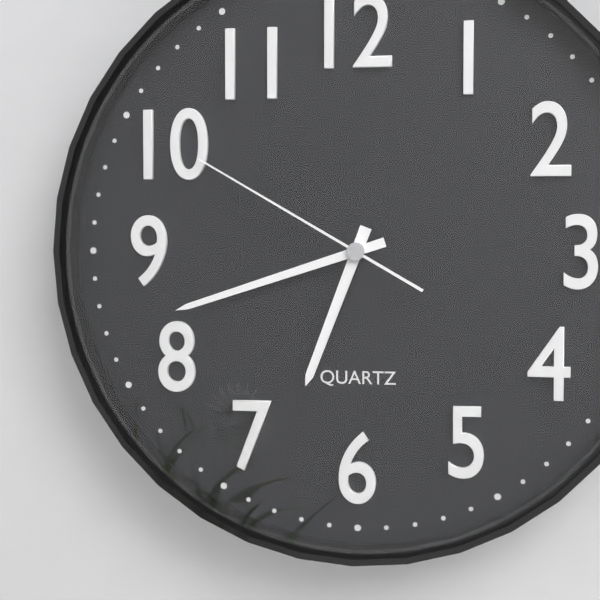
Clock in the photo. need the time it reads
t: 6:42:50
